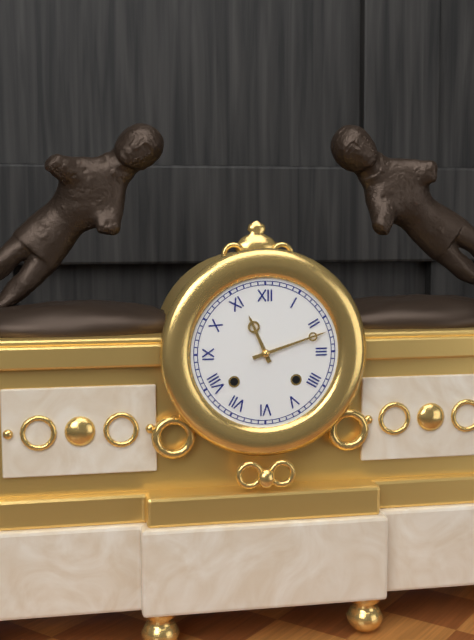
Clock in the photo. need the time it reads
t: 11:12
